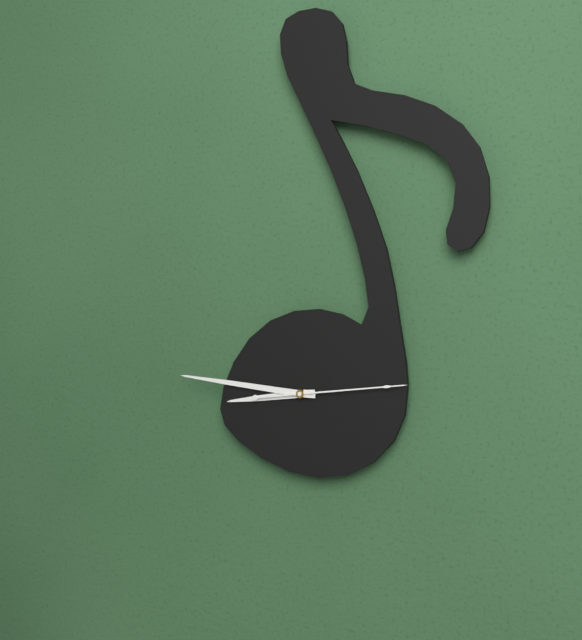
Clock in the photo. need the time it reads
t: 8:46:14
